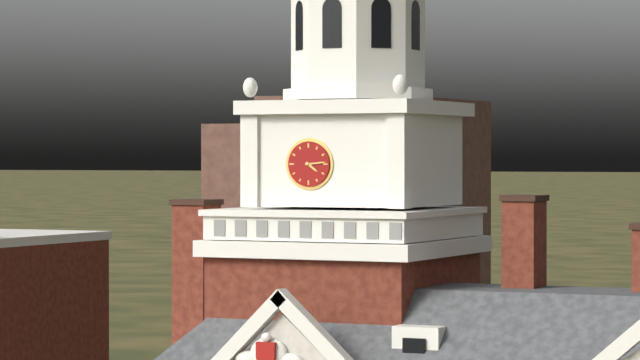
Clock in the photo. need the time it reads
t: 4:14
